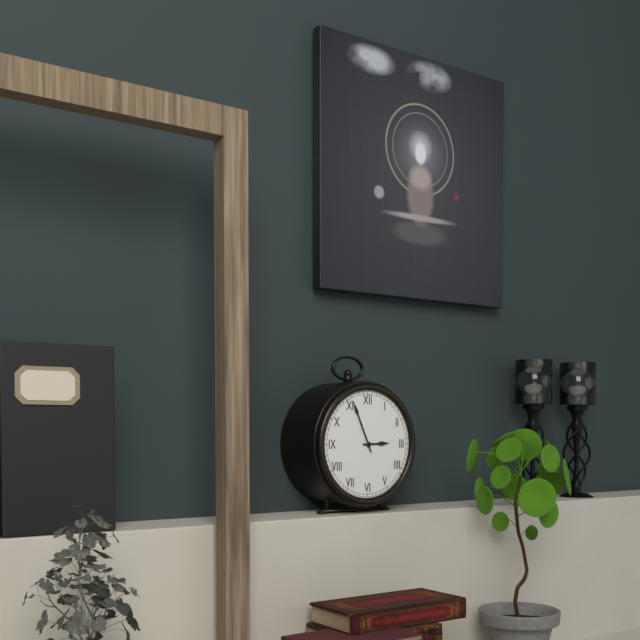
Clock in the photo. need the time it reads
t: 2:56
